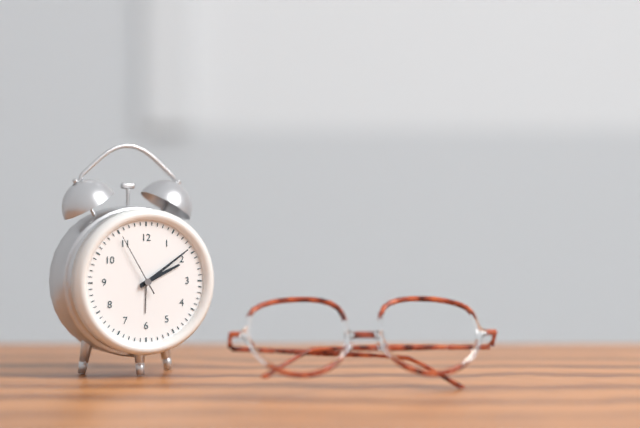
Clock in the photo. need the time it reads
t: 2:09:55
